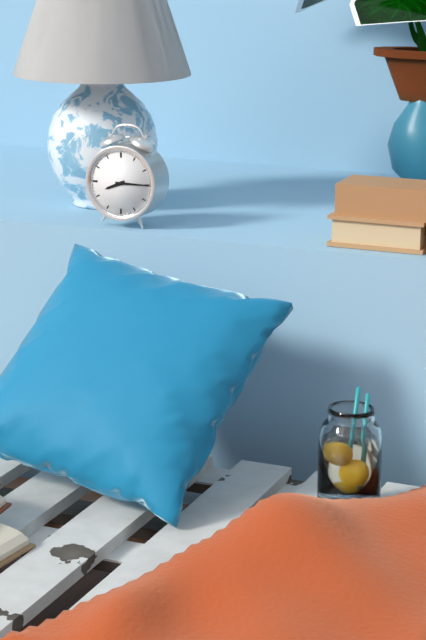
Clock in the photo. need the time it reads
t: 8:15
